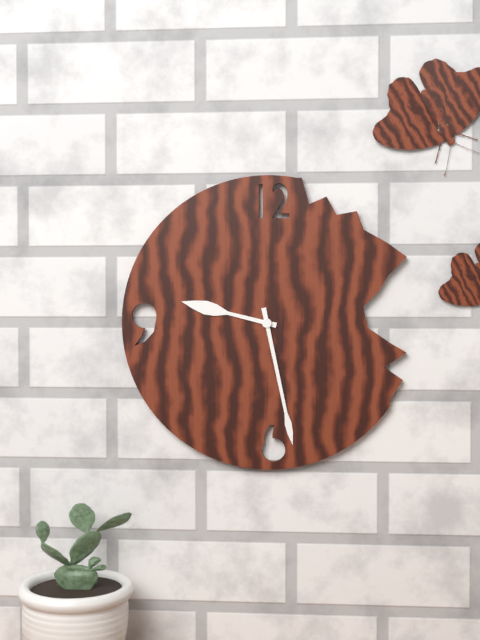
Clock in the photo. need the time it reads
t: 9:28
